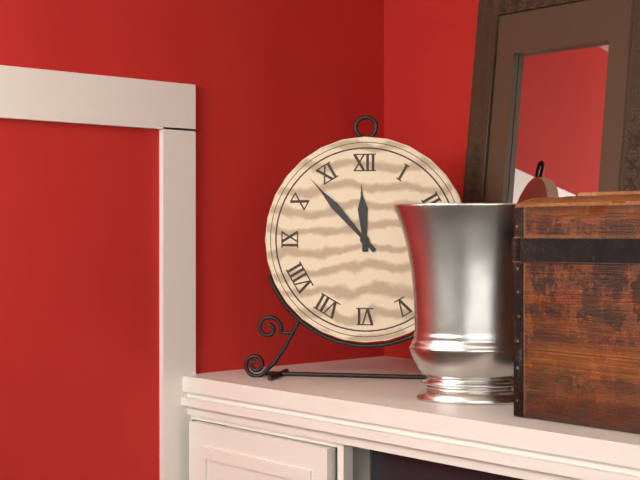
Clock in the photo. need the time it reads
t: 11:53
